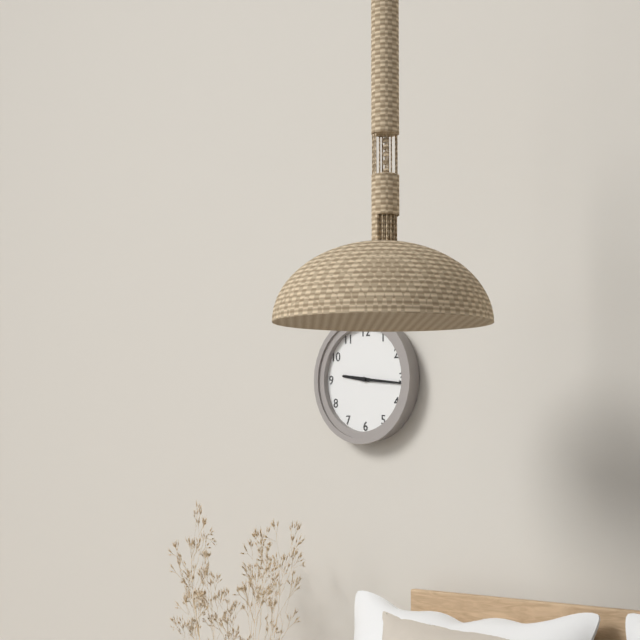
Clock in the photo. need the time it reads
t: 9:16
